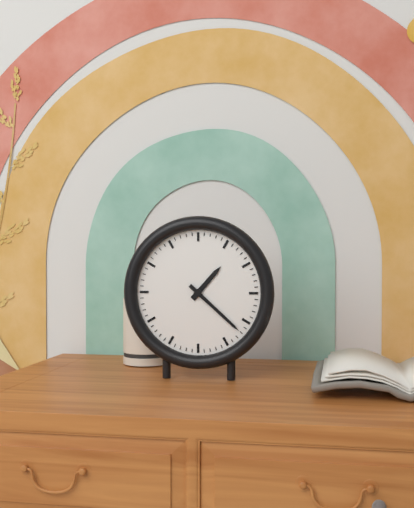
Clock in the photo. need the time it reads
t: 1:22
